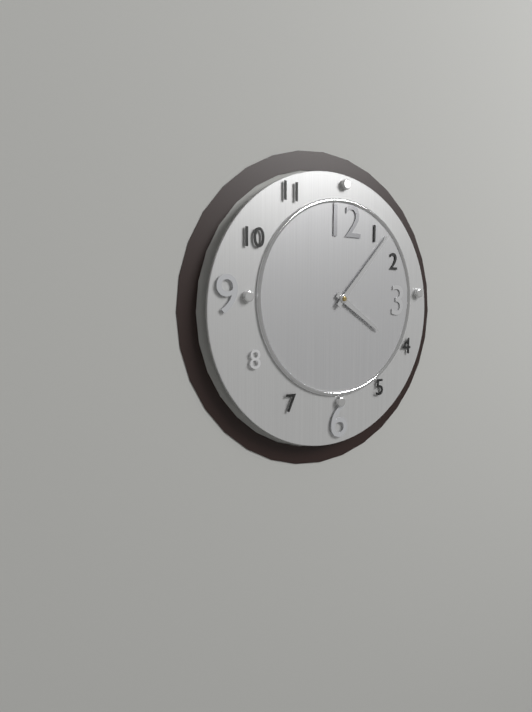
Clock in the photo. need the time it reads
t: 4:07
